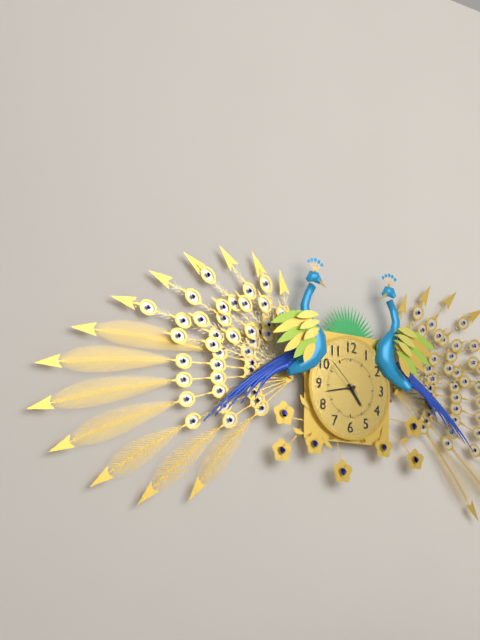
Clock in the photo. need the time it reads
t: 4:43
